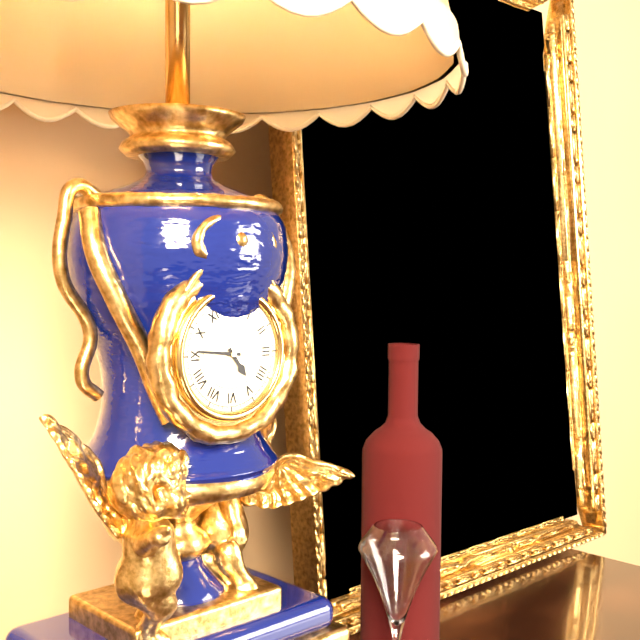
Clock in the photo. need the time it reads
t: 4:46
